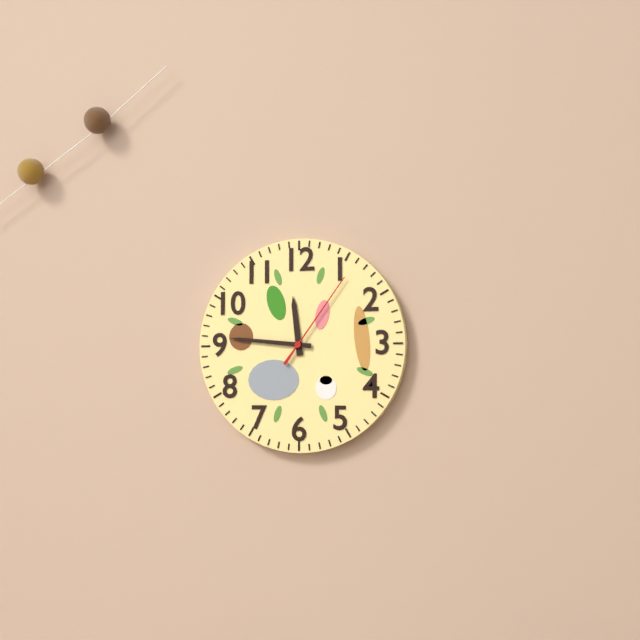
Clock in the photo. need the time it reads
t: 11:46:06
